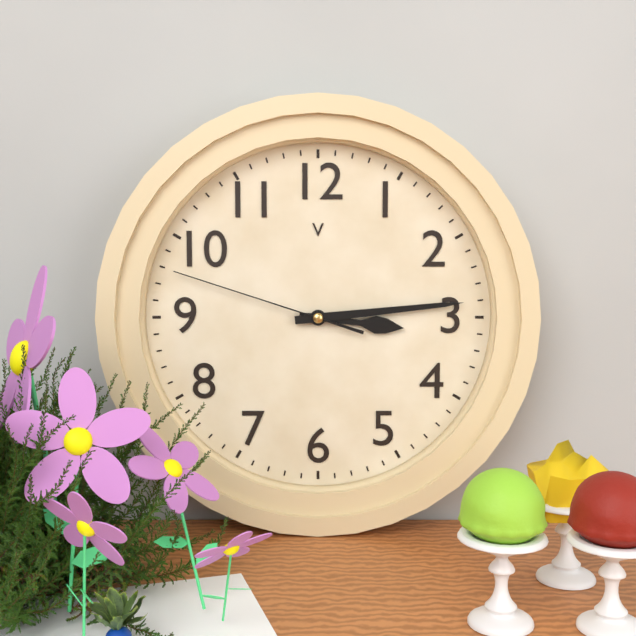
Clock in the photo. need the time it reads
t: 3:14:48
